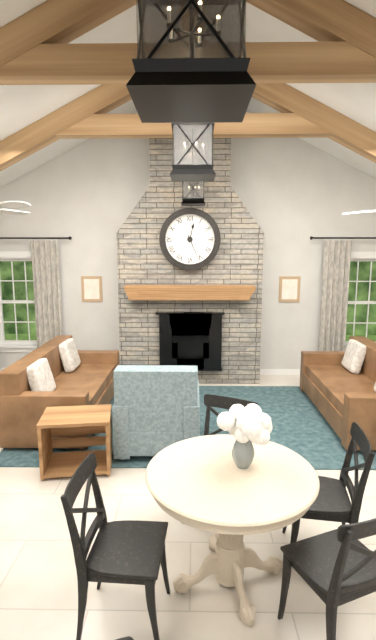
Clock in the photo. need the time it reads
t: 12:26
